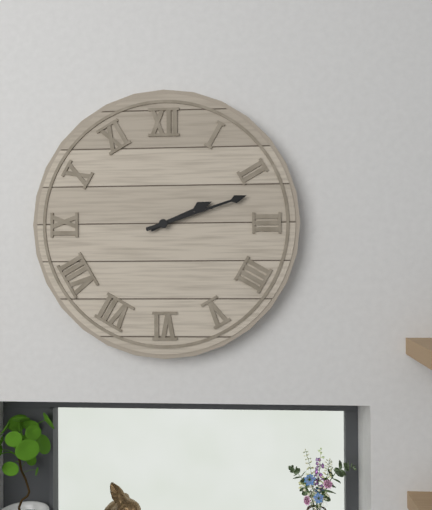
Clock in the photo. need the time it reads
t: 2:12
